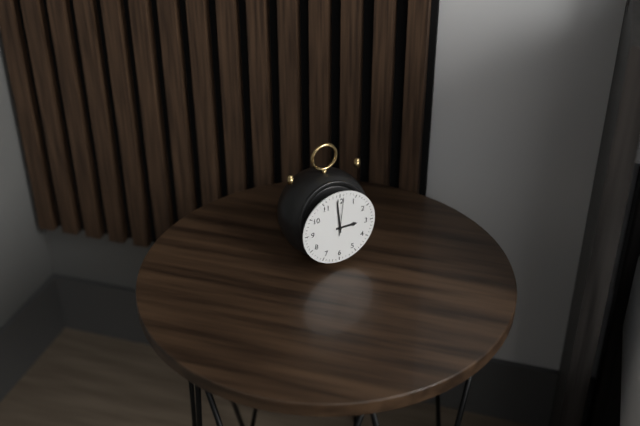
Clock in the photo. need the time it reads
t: 2:59
